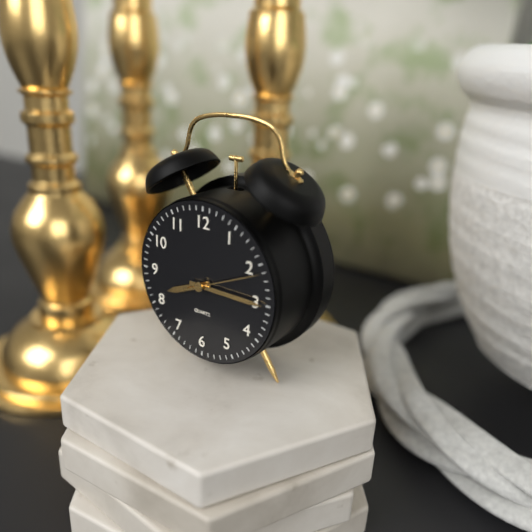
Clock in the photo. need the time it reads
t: 8:15:11
